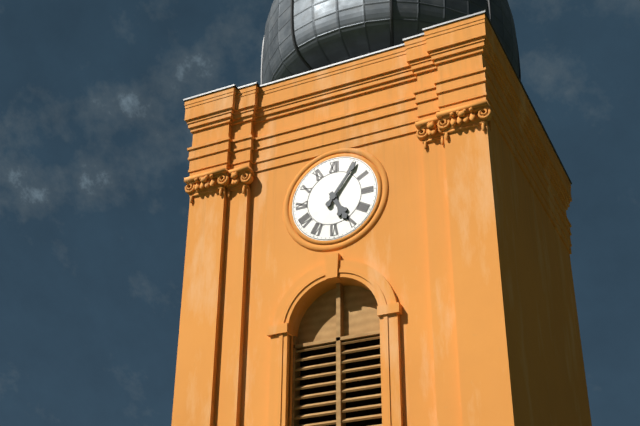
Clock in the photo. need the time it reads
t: 5:06
